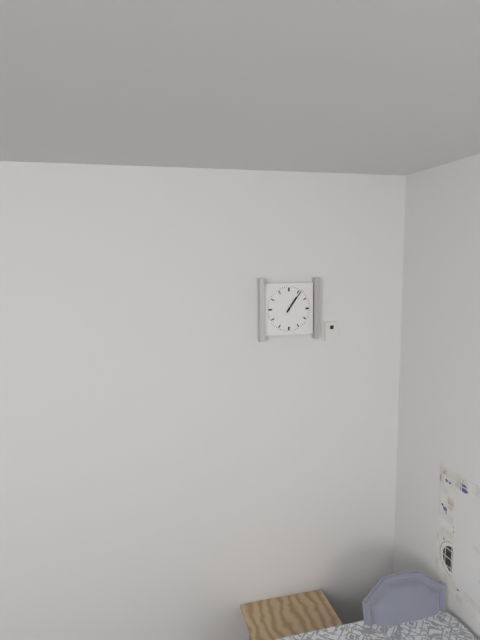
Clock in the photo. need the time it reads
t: 1:06
